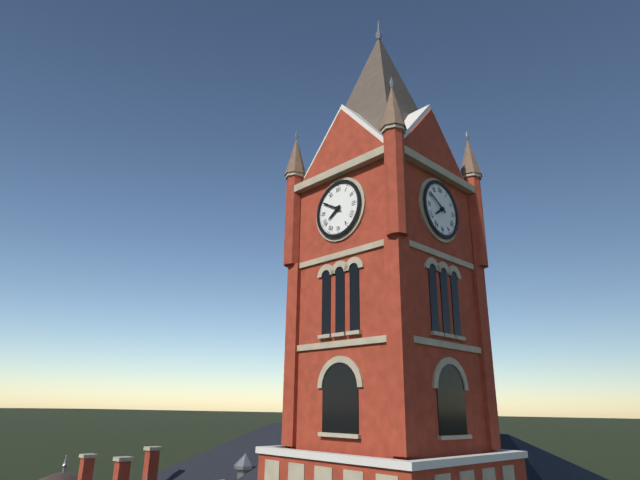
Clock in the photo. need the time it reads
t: 7:50
